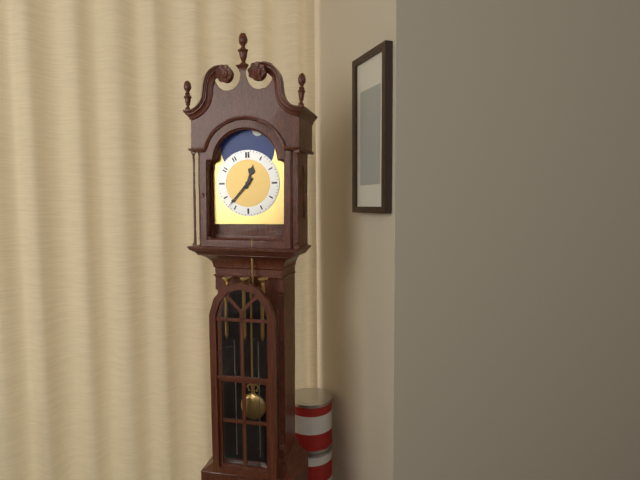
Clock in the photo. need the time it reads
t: 12:37
